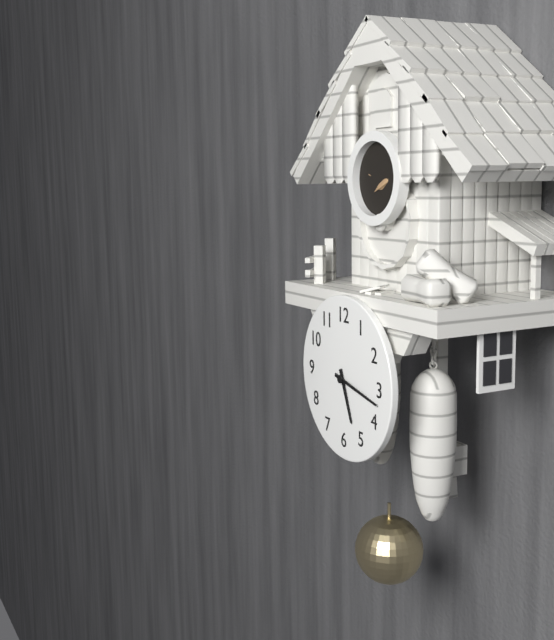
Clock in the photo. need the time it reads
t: 5:17
